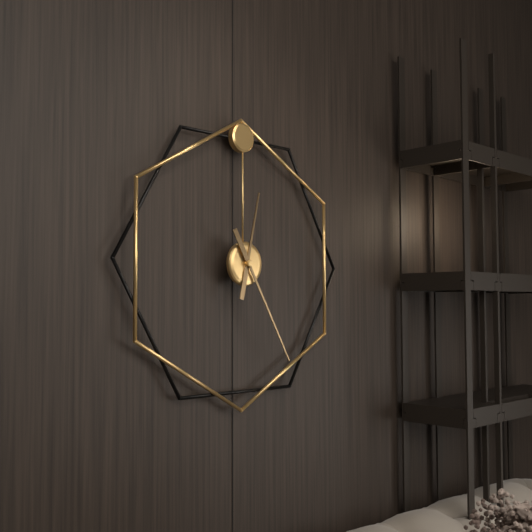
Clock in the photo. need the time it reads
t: 12:25
